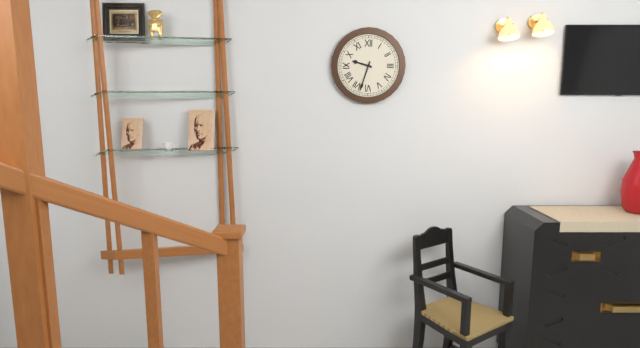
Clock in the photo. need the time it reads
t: 9:33
